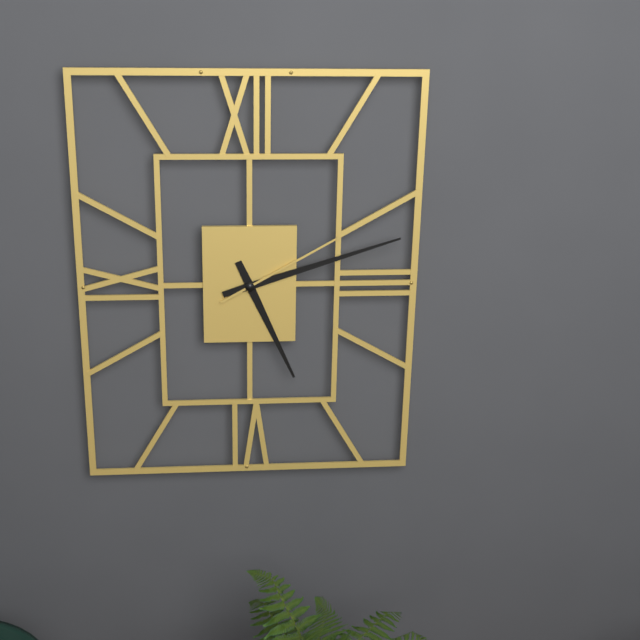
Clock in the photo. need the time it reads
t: 5:12:10
